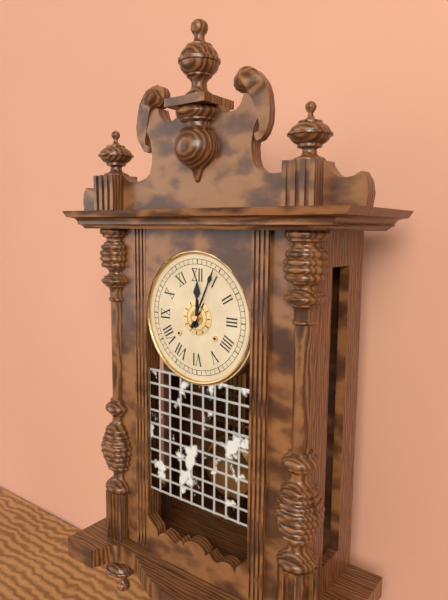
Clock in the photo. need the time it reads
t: 12:04
